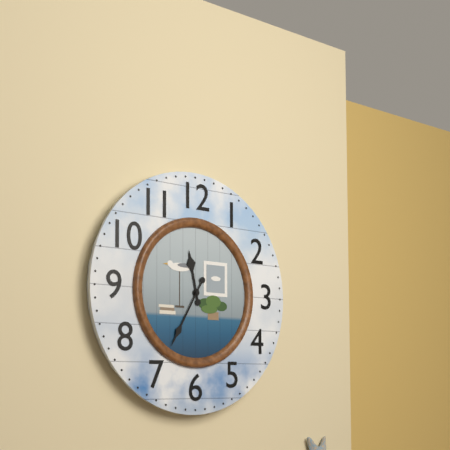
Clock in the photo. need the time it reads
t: 11:35
